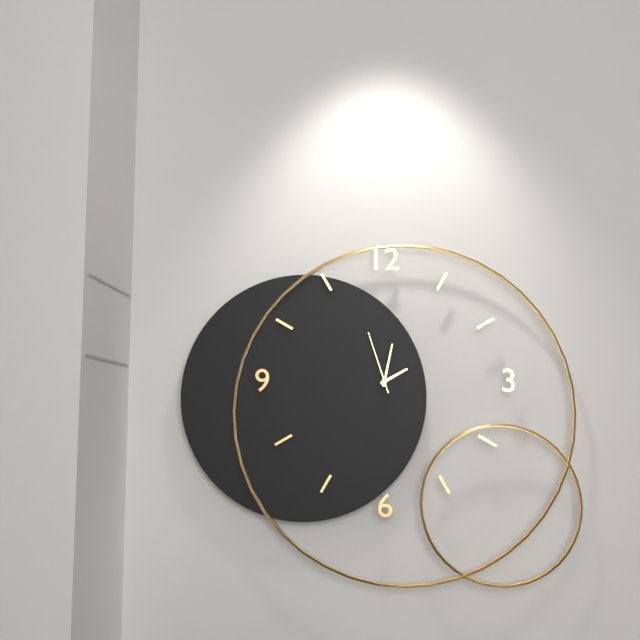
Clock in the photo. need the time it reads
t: 2:02:57
